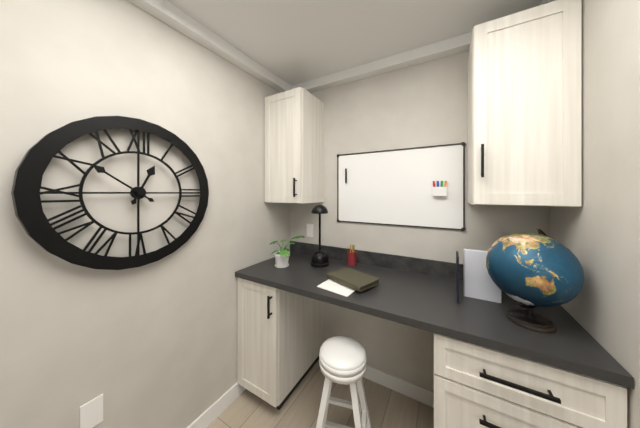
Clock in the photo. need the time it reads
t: 12:51
